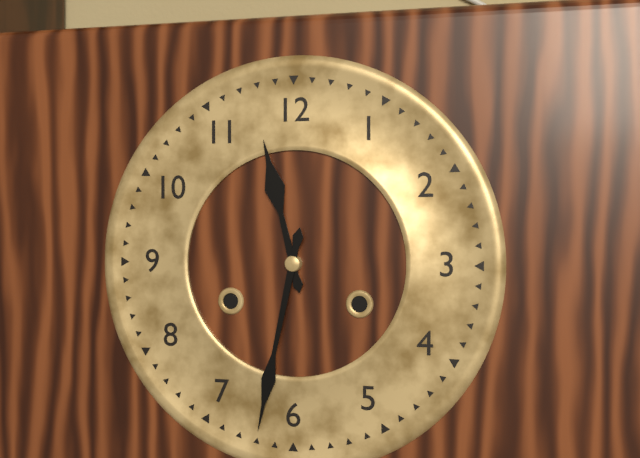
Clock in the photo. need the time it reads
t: 11:32
